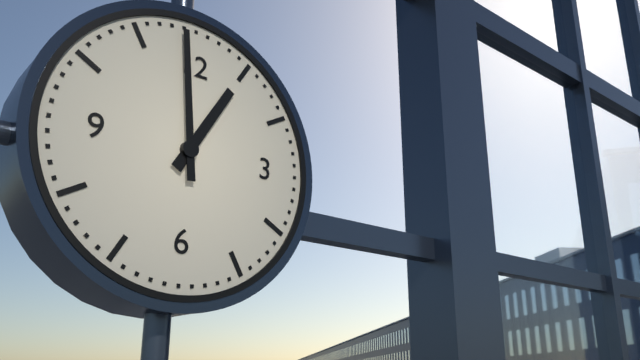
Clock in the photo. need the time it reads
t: 12:59
